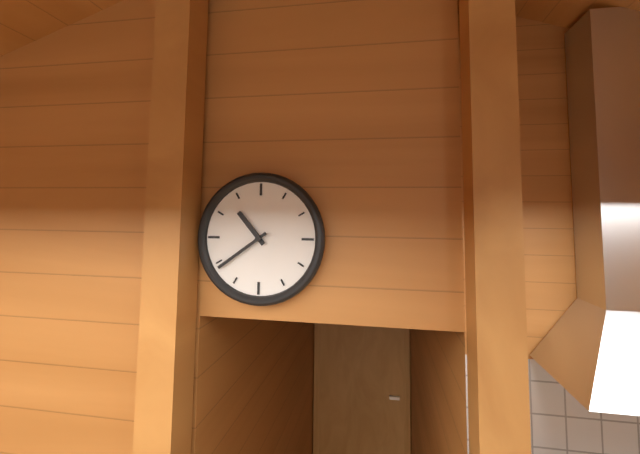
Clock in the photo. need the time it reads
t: 10:39
